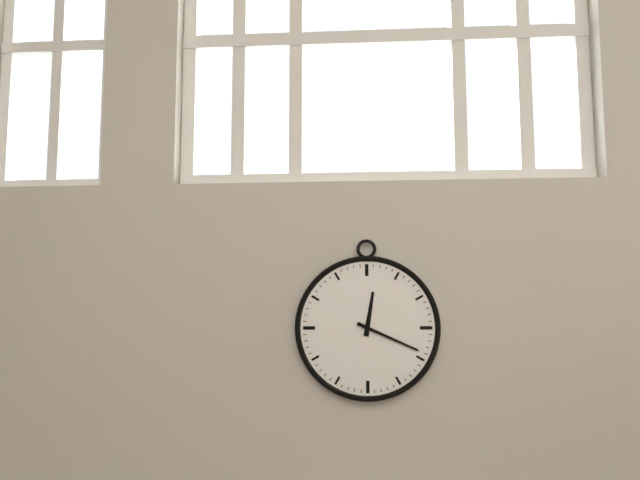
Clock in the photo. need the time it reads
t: 12:19
